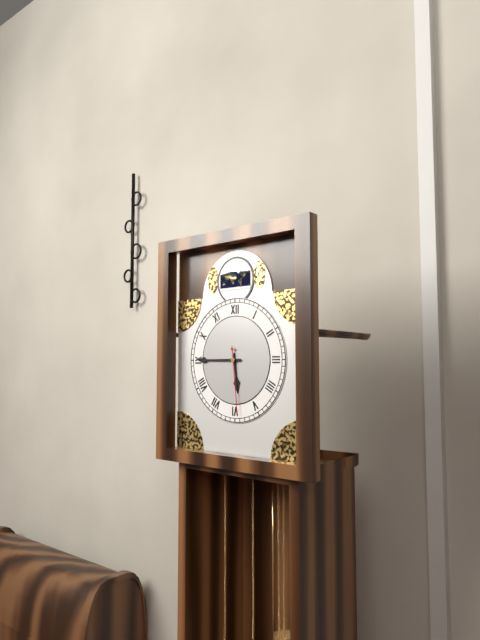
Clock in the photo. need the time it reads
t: 5:45:29
